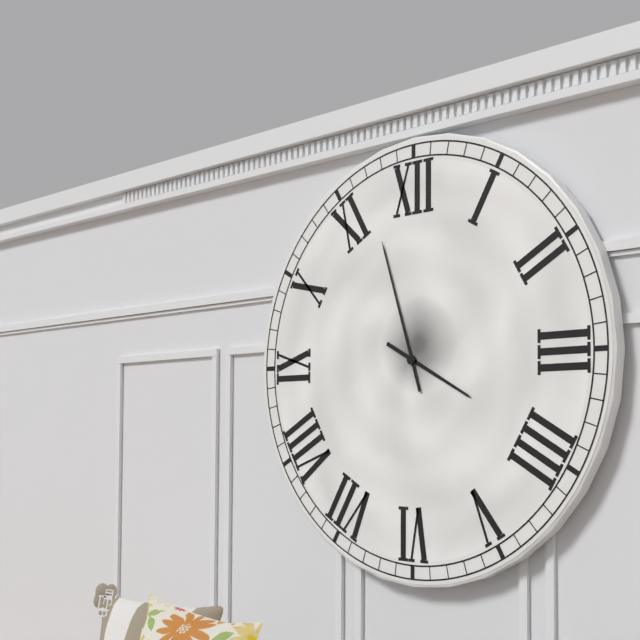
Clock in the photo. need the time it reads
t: 3:57
